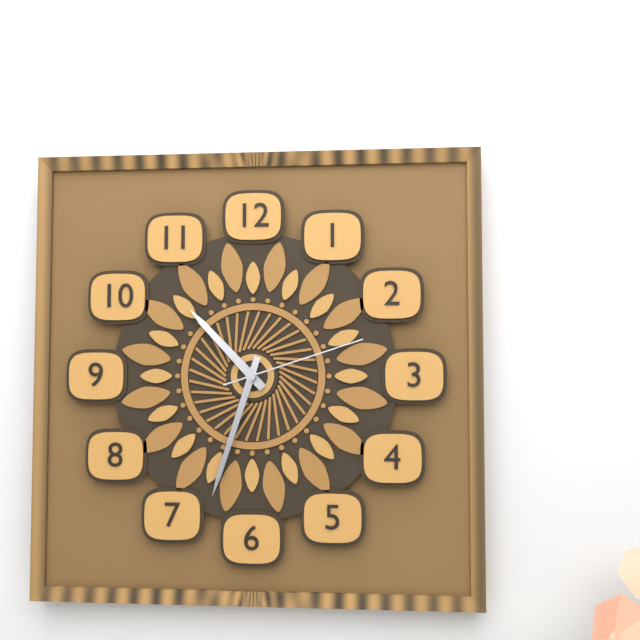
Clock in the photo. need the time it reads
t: 10:33:12
